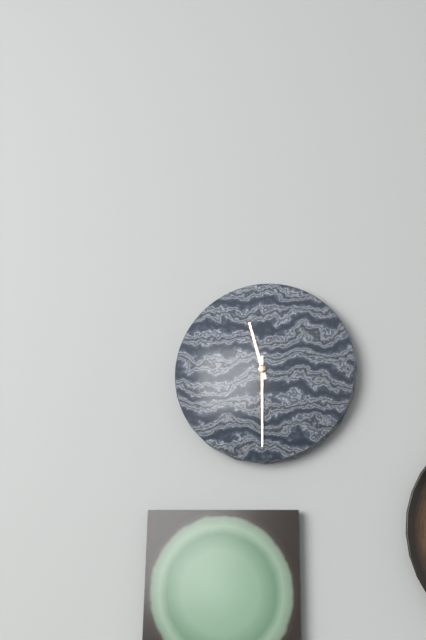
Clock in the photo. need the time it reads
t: 11:30
